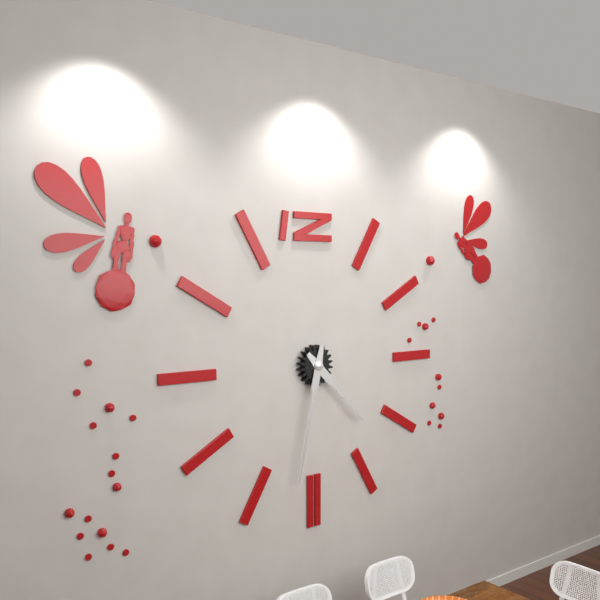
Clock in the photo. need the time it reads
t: 4:32
